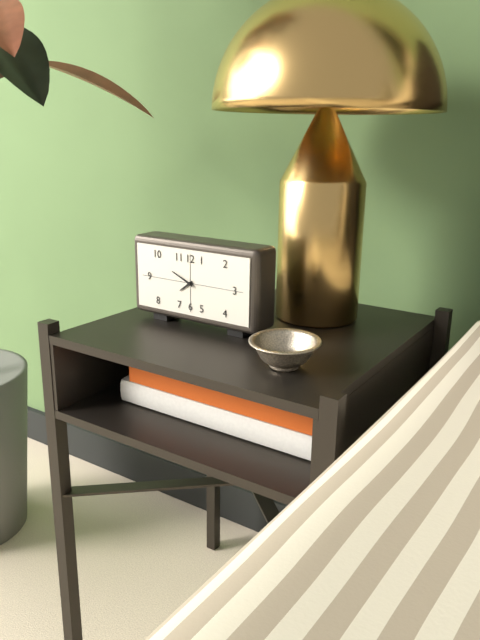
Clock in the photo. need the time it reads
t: 7:49
